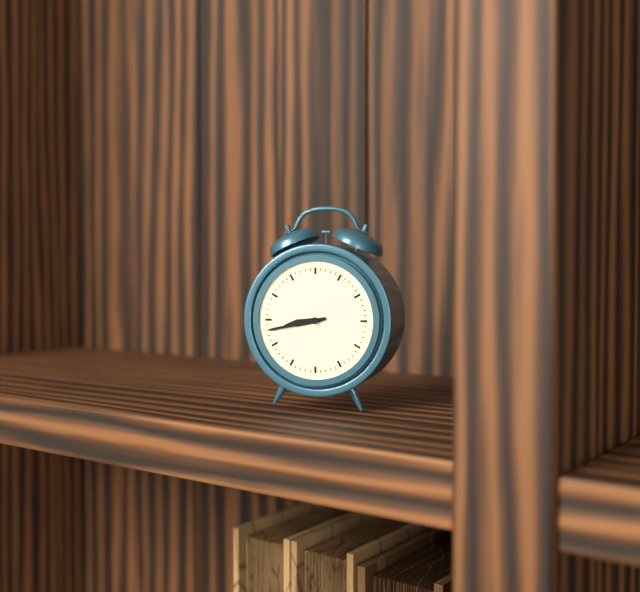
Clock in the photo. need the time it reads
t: 8:43
